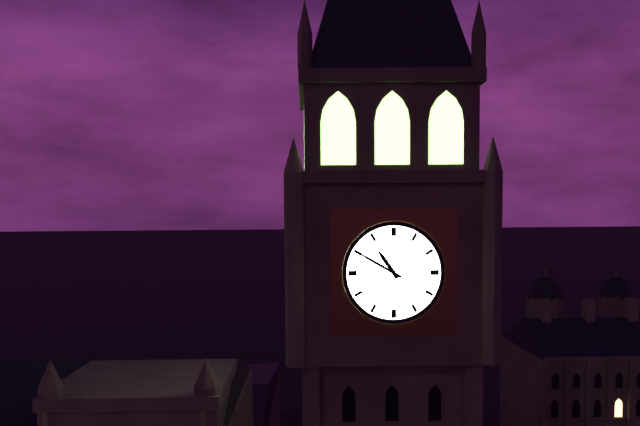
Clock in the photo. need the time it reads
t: 10:50
